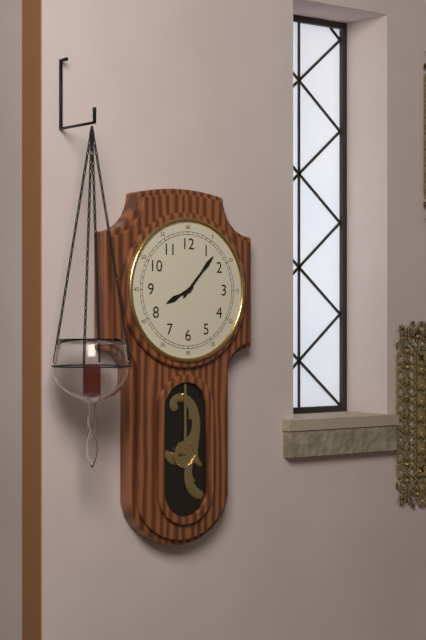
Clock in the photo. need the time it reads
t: 8:07
